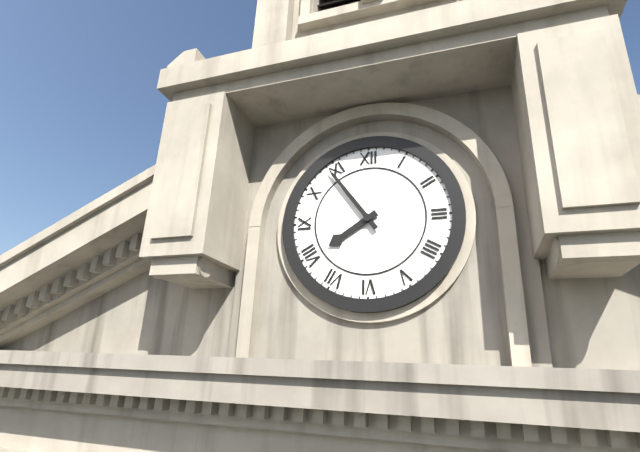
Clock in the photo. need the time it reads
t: 7:54
